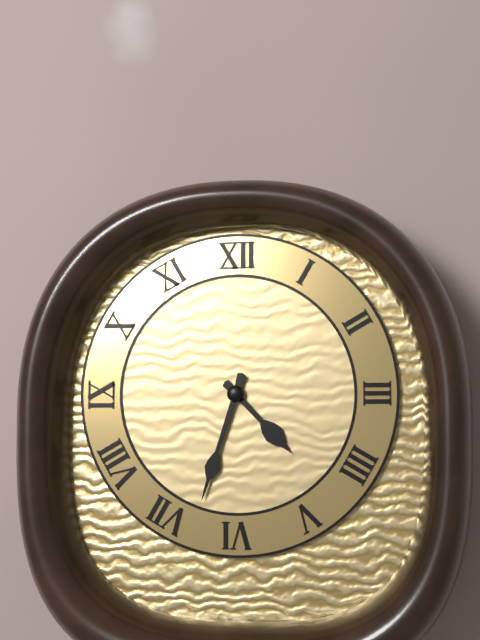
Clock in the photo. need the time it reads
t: 4:33
